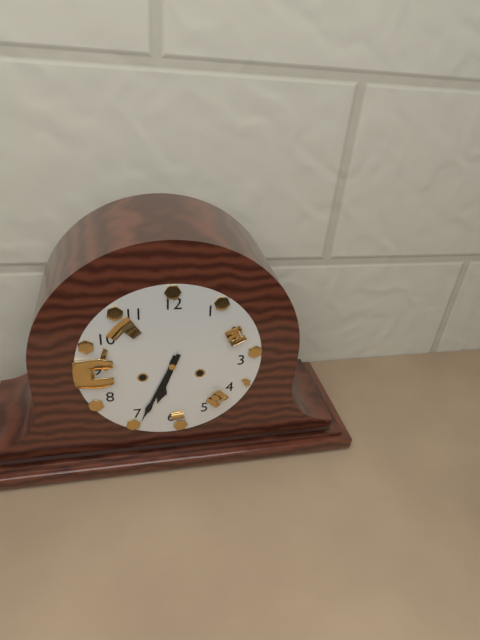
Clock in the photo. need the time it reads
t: 6:34
